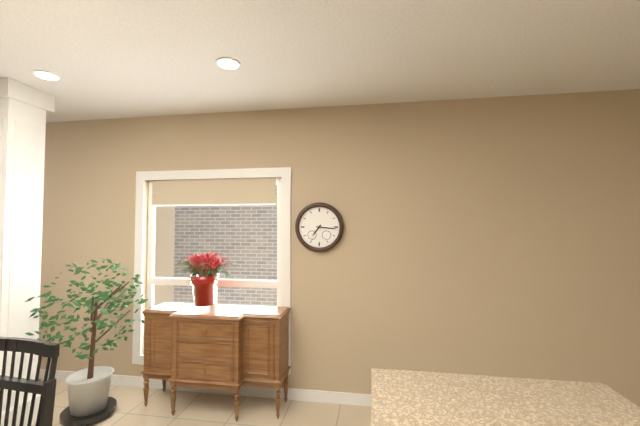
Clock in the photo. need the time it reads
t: 7:16
